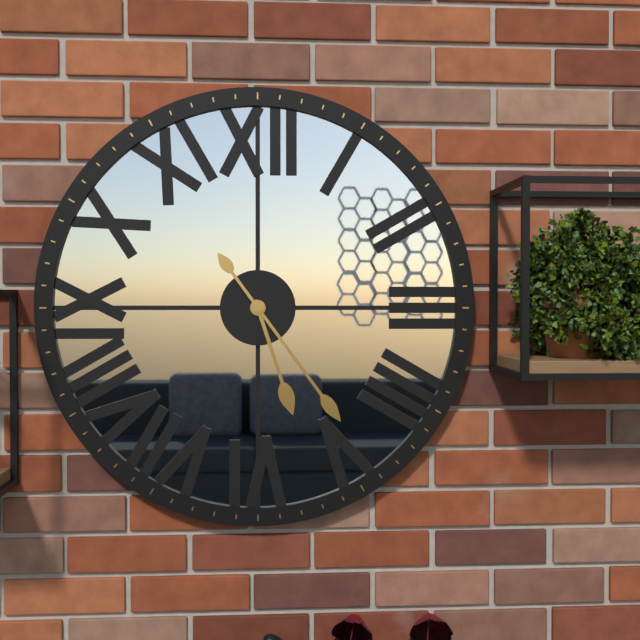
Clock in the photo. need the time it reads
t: 5:24
